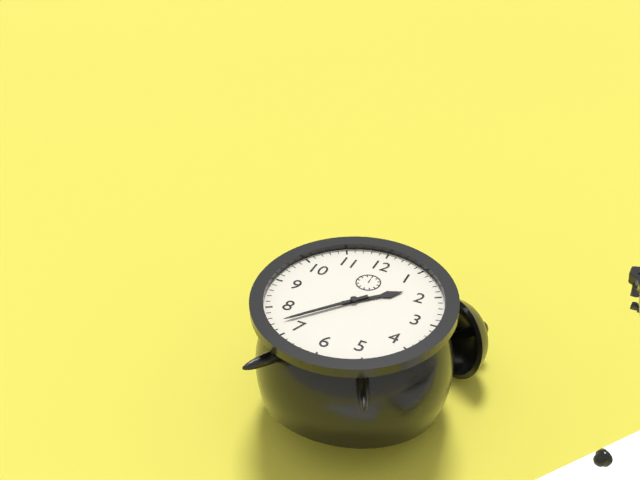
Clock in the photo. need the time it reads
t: 1:37
